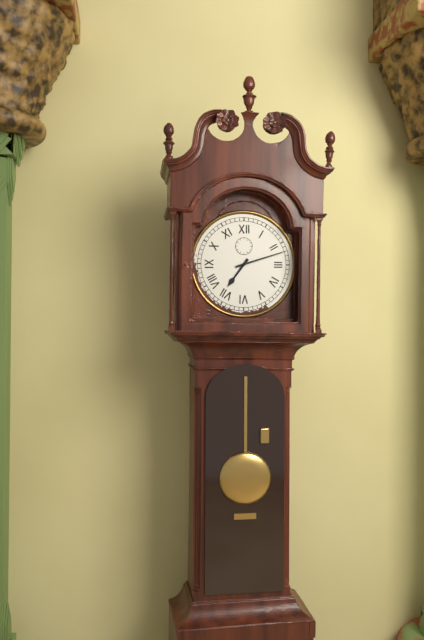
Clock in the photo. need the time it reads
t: 7:12
